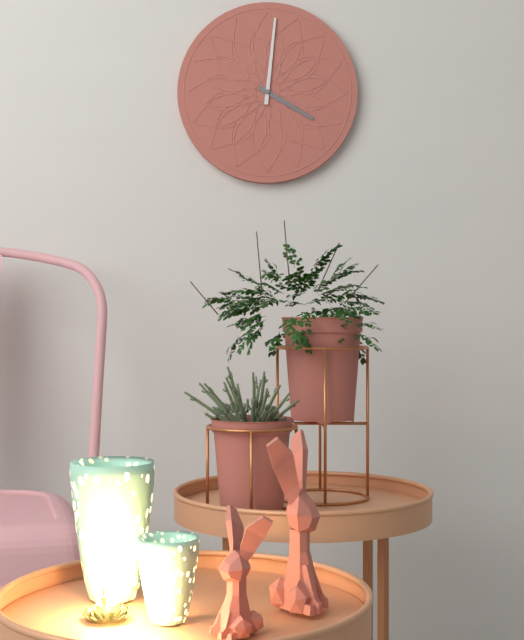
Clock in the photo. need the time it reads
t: 4:01
